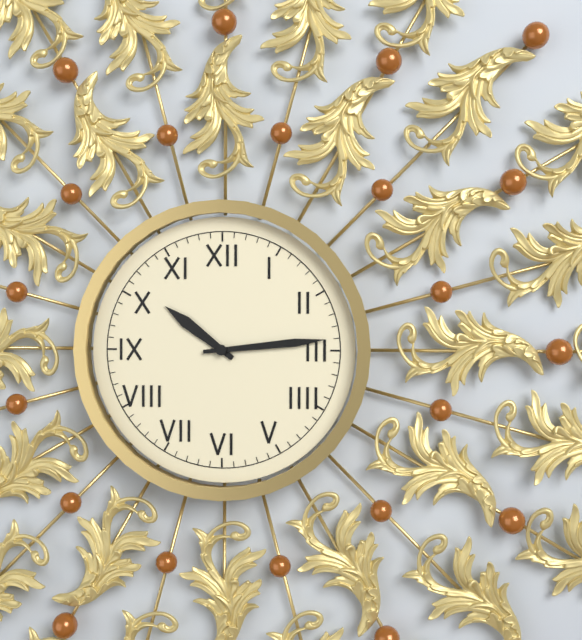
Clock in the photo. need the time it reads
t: 10:14
